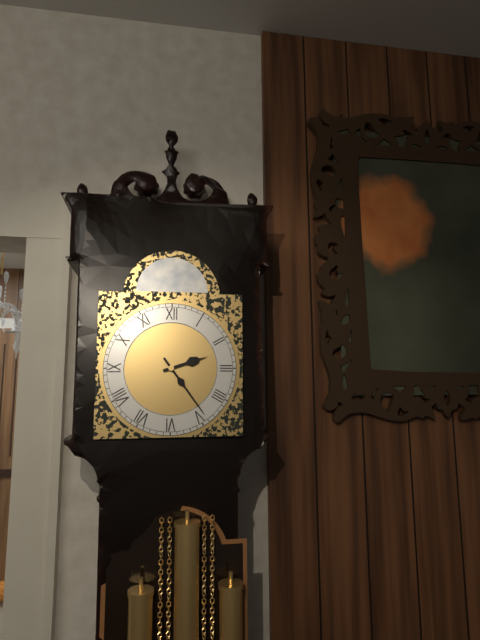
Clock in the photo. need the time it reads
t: 2:24
